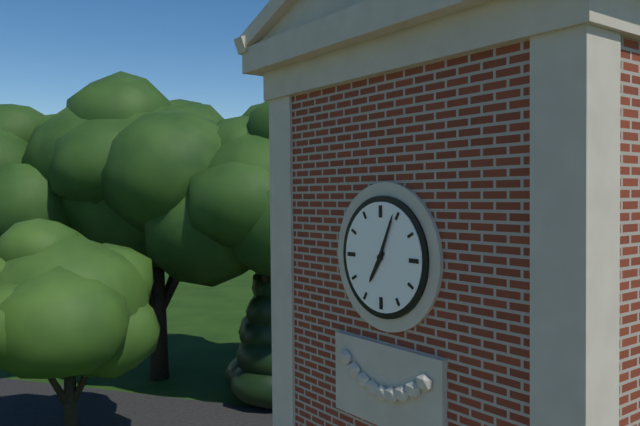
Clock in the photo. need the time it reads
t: 7:04
